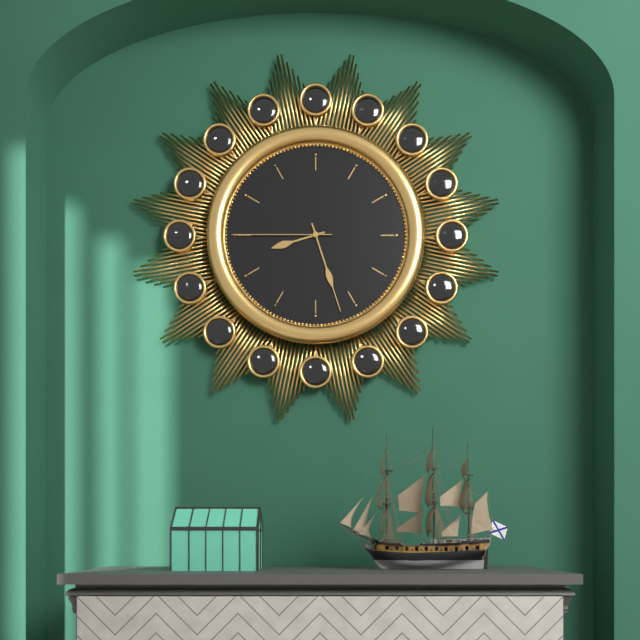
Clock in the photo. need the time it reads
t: 8:27:45
